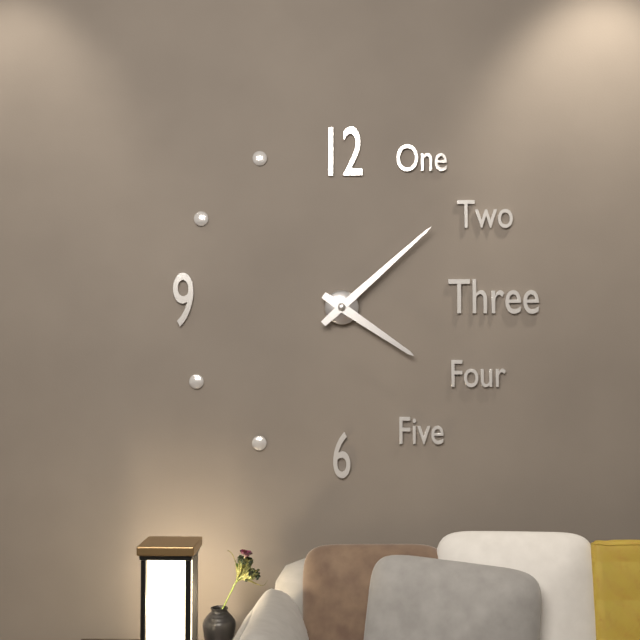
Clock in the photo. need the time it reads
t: 4:08
